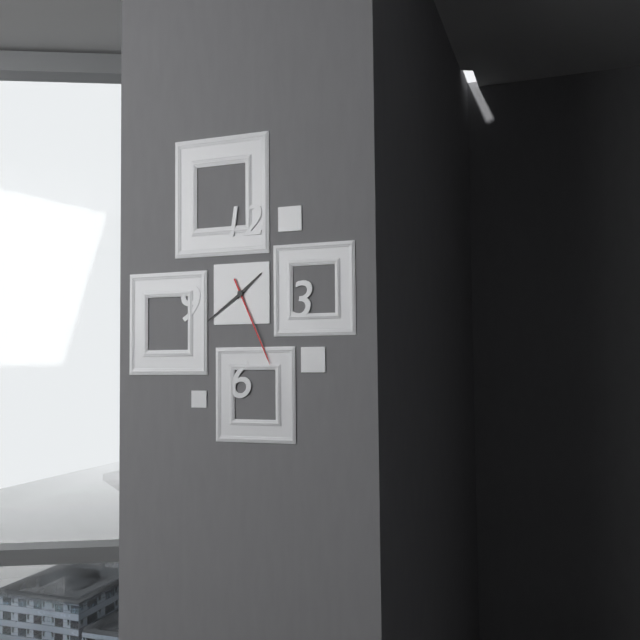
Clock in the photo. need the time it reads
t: 1:39:26
